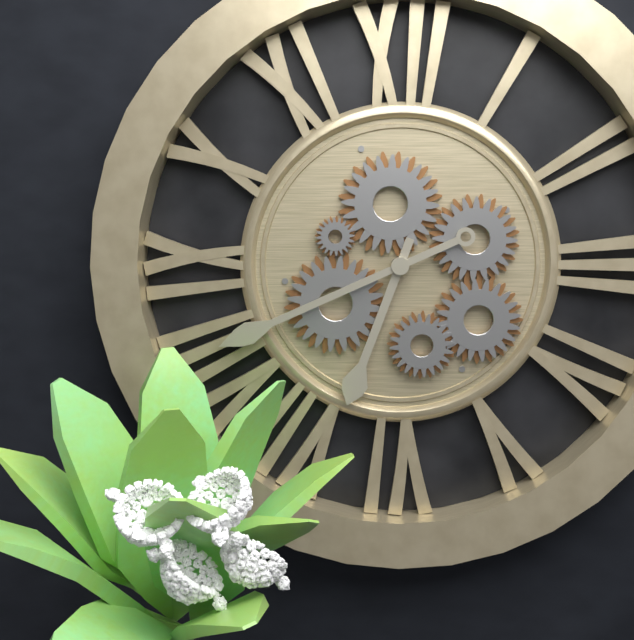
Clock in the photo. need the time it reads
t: 6:41
